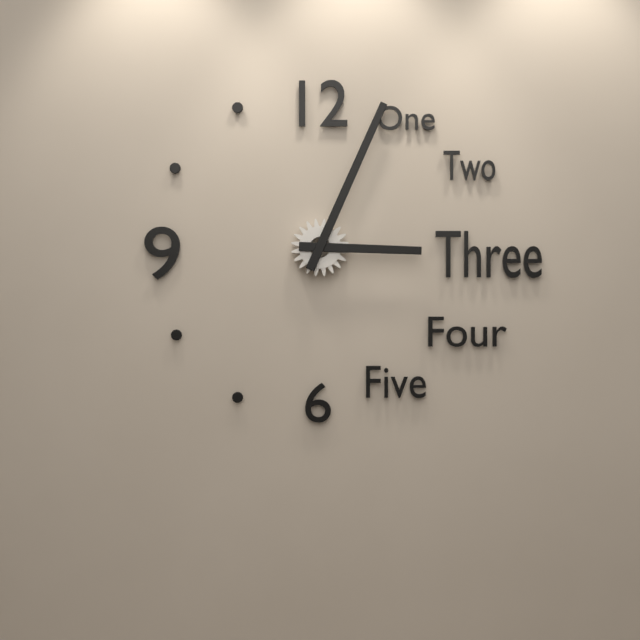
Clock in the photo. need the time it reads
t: 3:04
